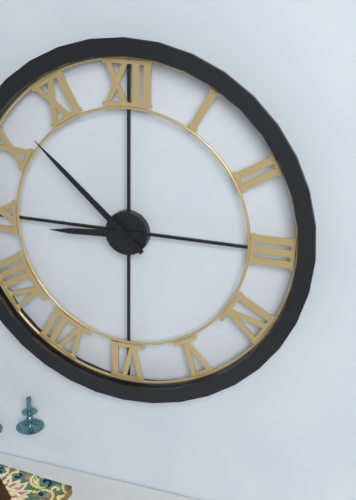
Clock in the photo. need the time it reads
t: 8:52
